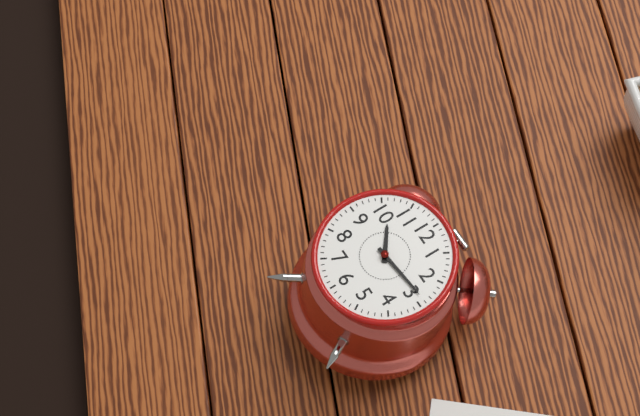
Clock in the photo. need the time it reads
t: 10:14
